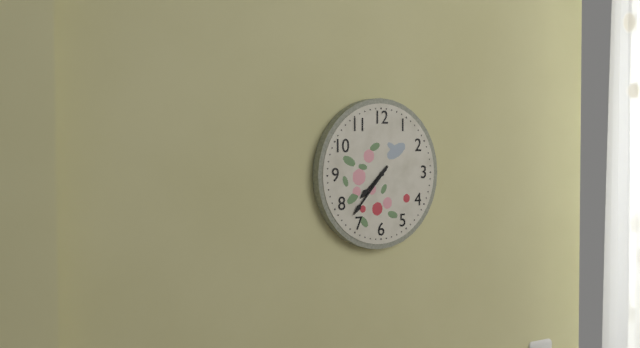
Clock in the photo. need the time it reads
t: 7:37
